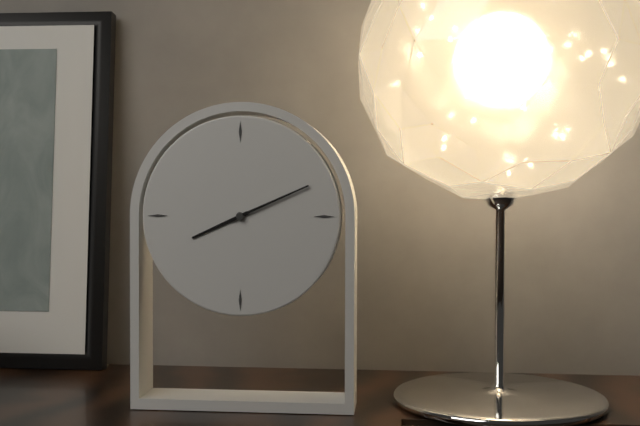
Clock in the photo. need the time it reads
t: 8:11
